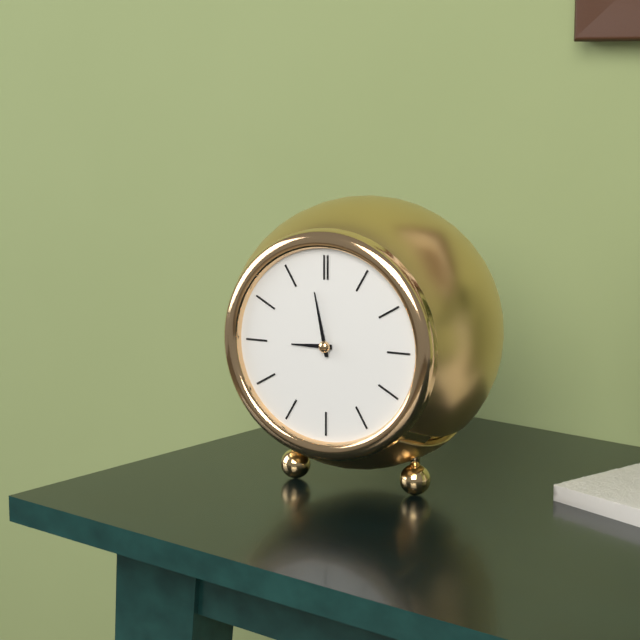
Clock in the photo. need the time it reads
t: 8:58
